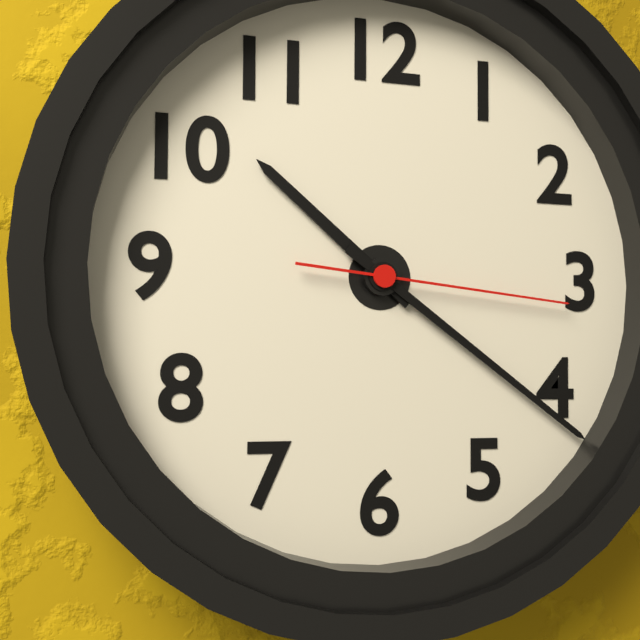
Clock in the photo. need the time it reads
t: 10:21:16
